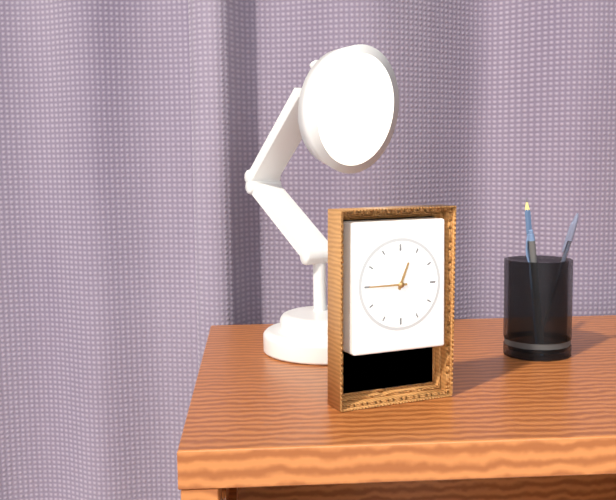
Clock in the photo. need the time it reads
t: 12:45
